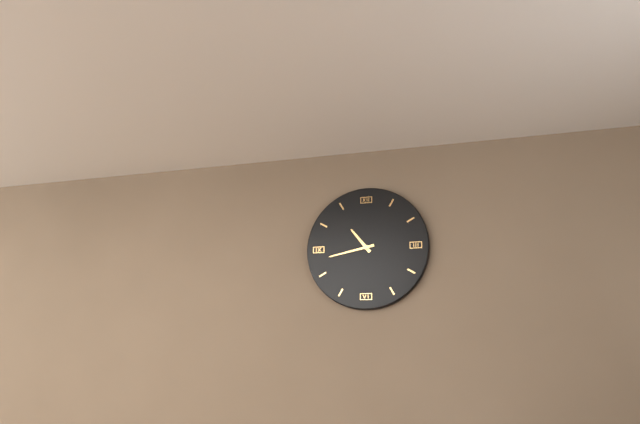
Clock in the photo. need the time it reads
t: 10:43
